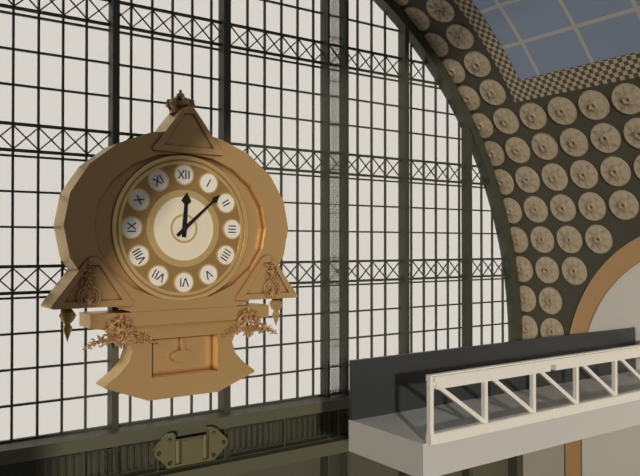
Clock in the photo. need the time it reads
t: 12:08
